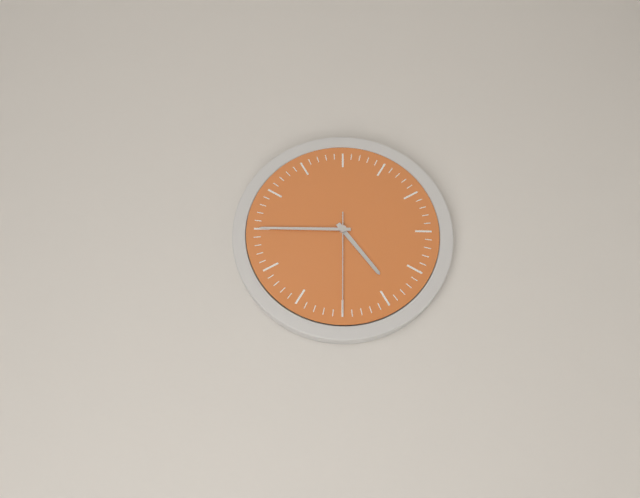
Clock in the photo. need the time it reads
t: 4:45:30
